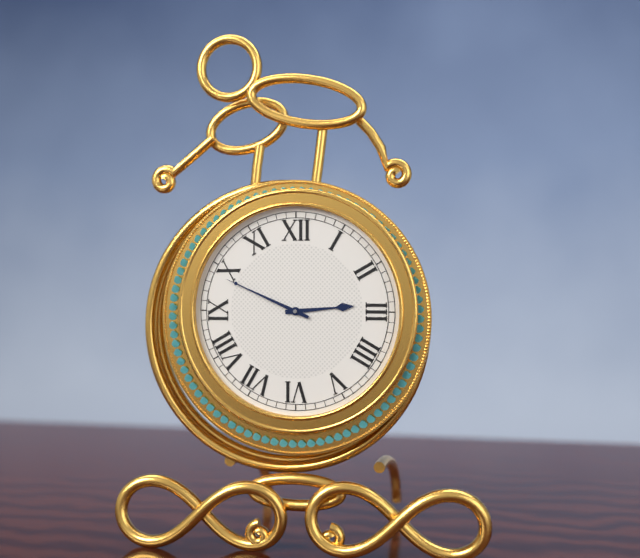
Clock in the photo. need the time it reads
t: 2:49
